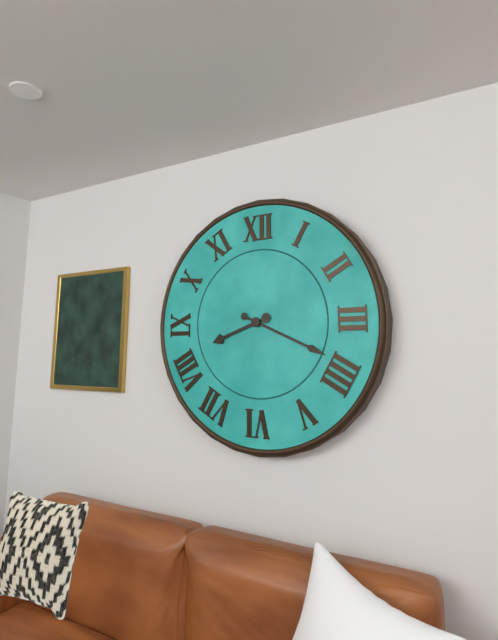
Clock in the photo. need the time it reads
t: 8:19
